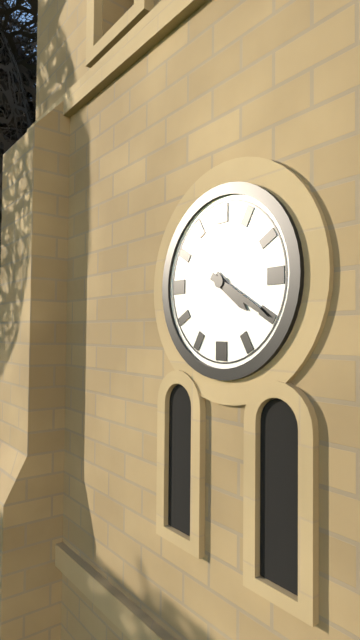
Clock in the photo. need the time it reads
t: 4:20
